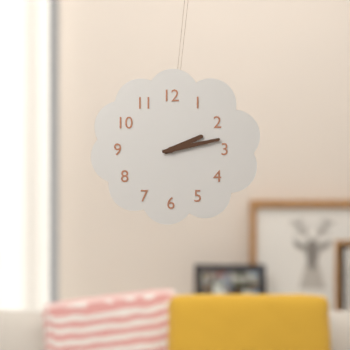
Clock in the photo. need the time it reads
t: 2:13
